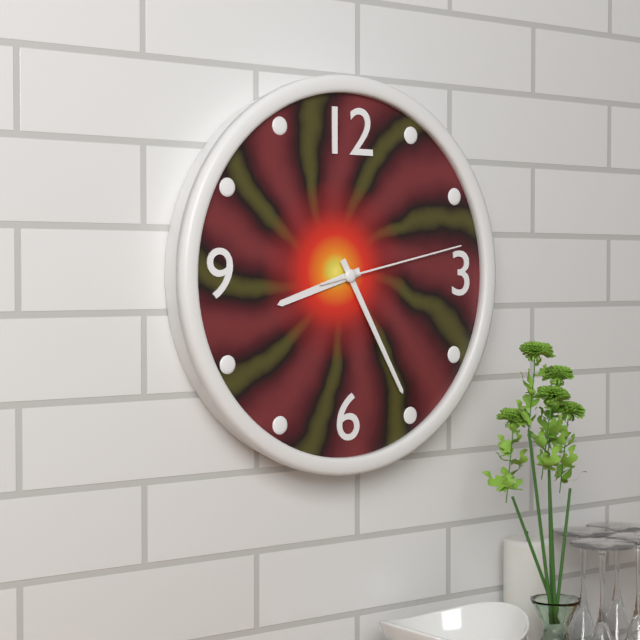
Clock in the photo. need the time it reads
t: 8:25:13
